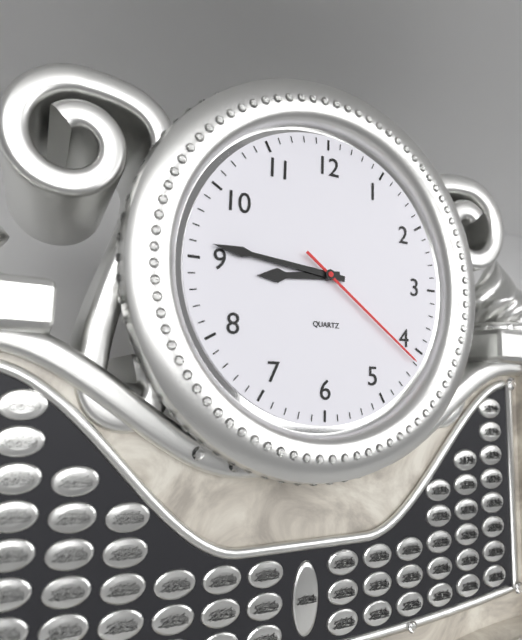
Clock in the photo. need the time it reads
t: 8:46:21
